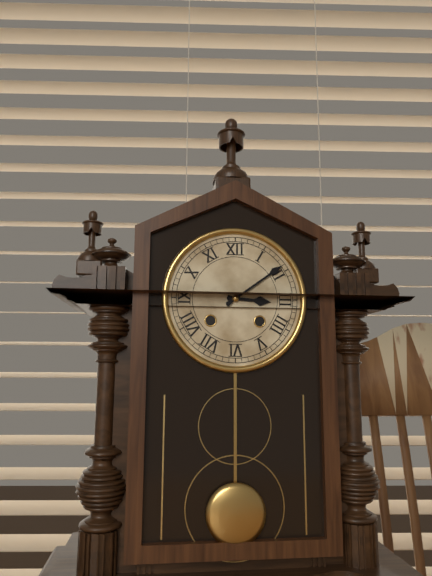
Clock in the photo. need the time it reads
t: 3:09
